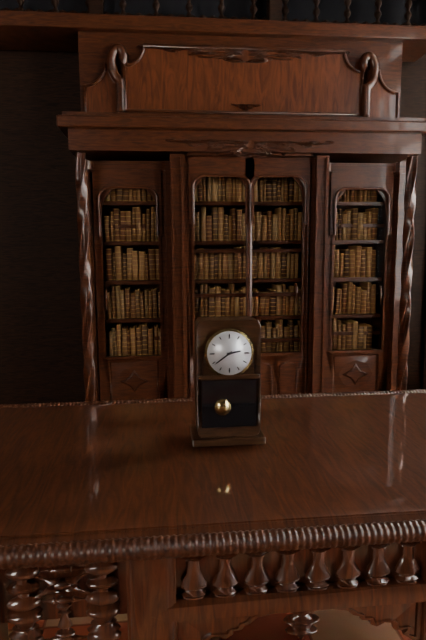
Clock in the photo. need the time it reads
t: 2:39
